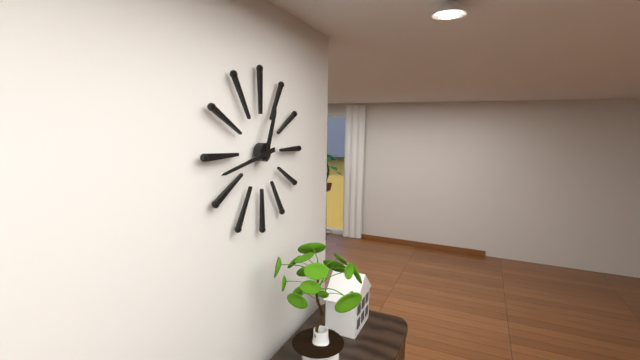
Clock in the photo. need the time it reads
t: 12:43
